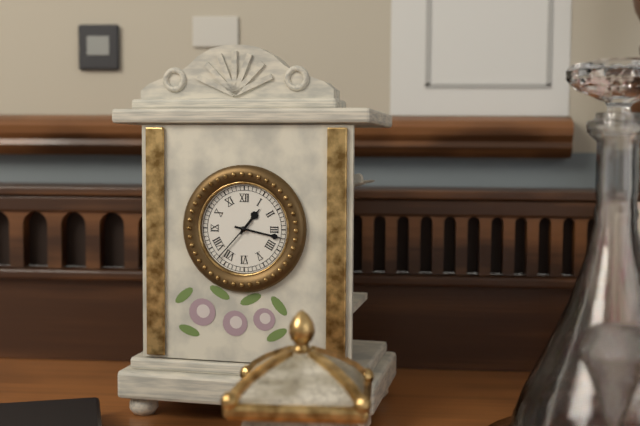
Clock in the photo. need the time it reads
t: 1:17:37
